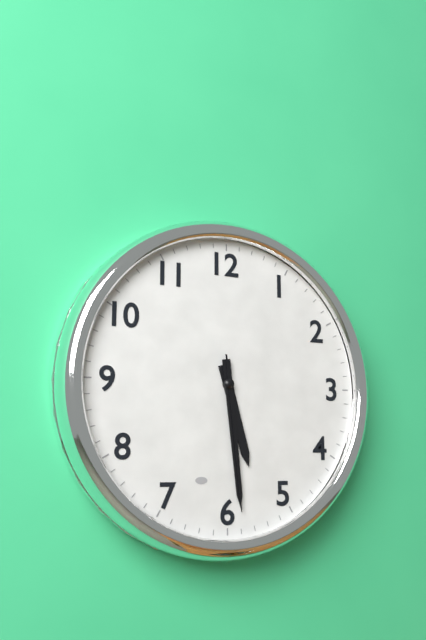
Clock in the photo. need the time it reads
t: 5:29:29
